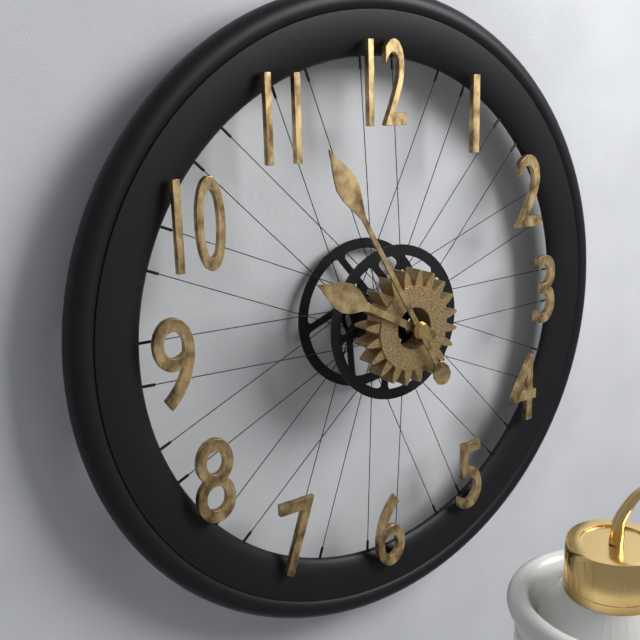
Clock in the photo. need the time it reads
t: 9:55
